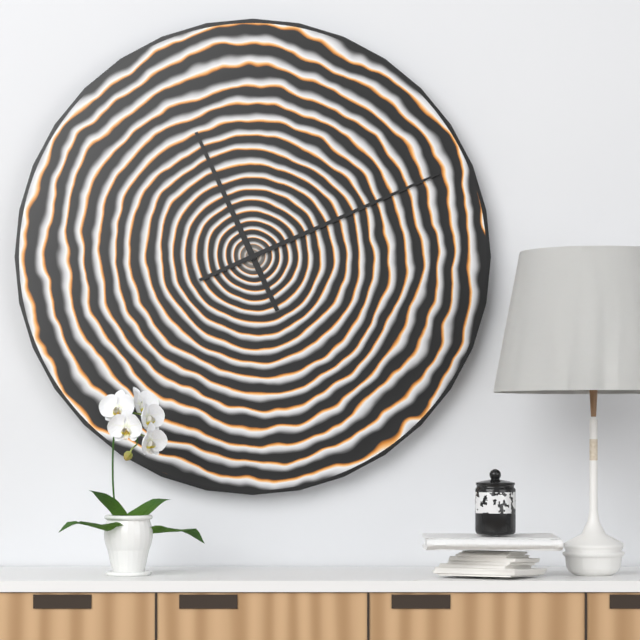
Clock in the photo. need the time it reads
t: 11:11
